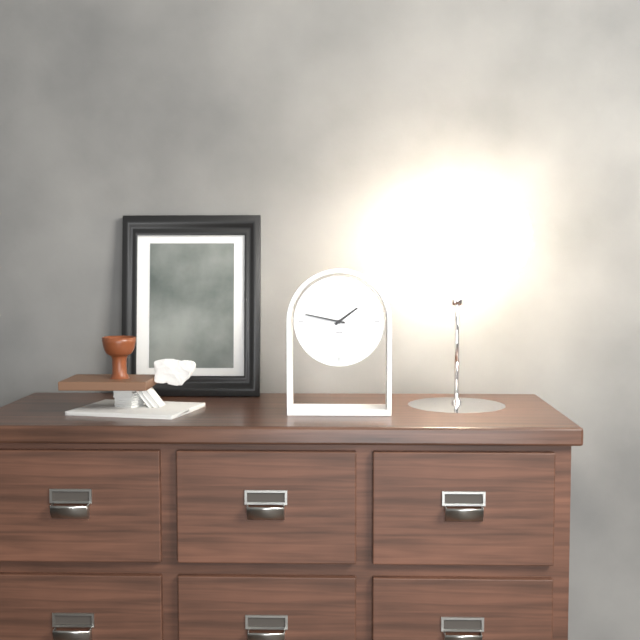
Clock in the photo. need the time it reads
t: 1:47
